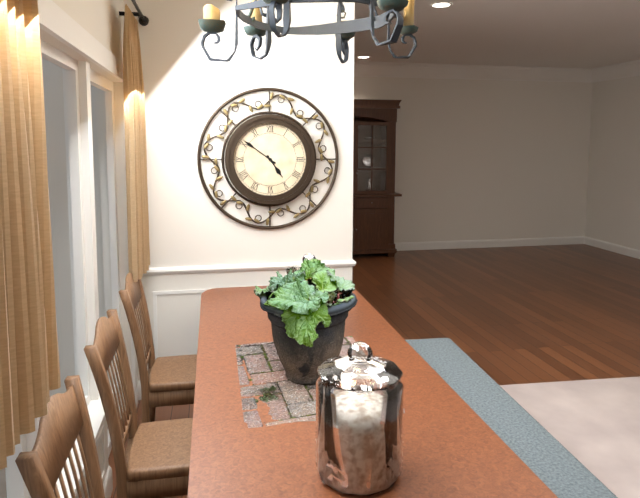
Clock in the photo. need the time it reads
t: 4:51
